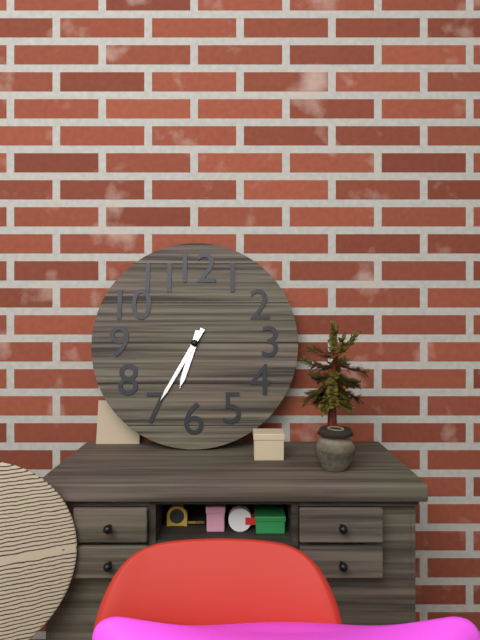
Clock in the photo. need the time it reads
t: 6:35
